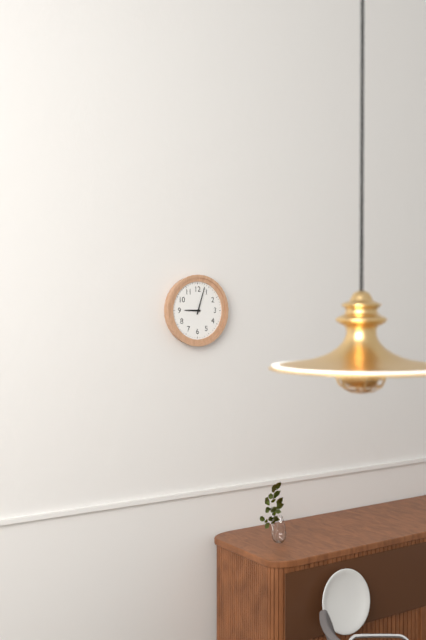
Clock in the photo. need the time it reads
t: 9:03
